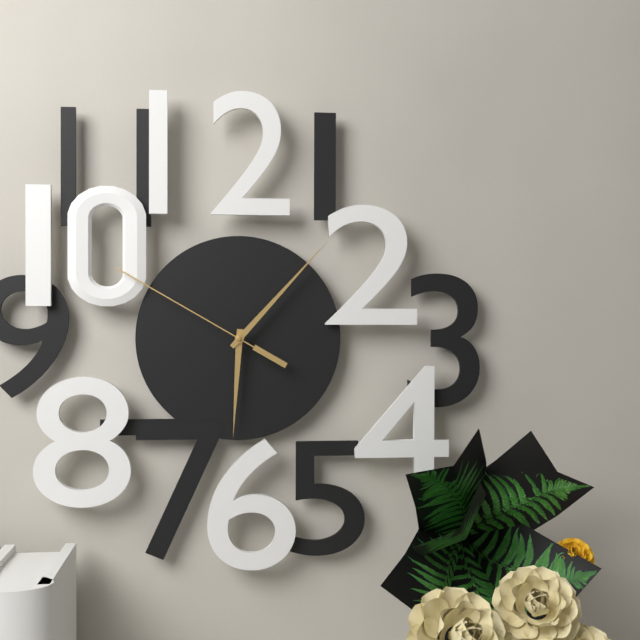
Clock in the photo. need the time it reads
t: 6:07:50
